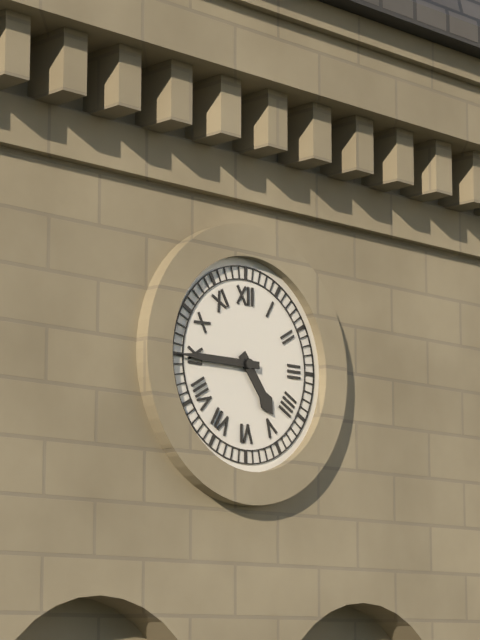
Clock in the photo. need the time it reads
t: 4:45
